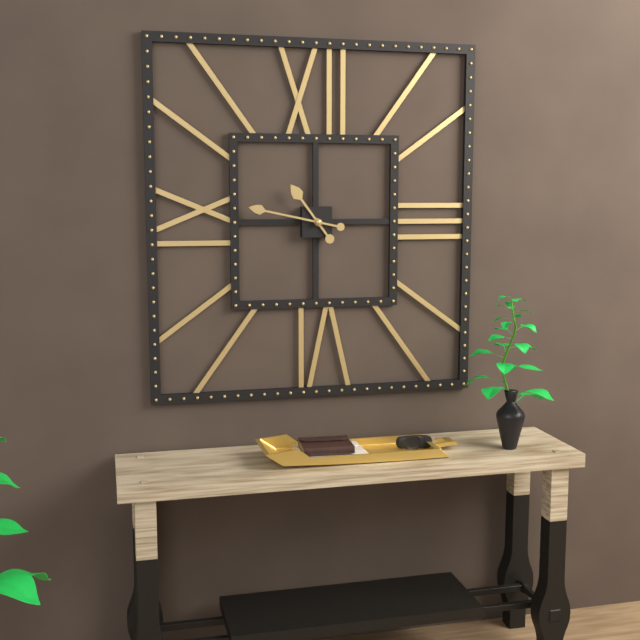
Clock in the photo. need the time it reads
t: 10:47
